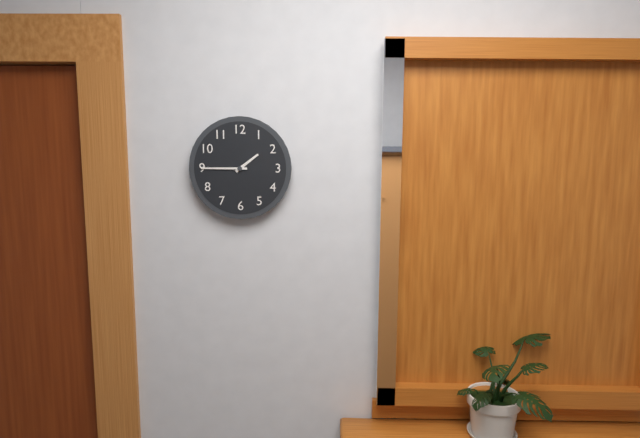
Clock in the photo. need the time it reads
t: 1:45
